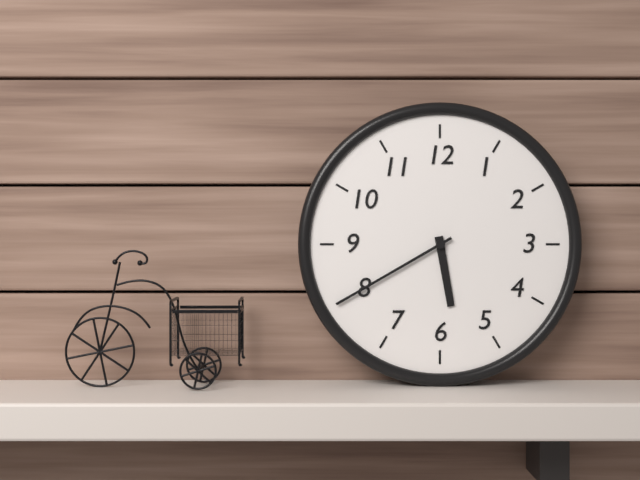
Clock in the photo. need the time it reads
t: 5:40
